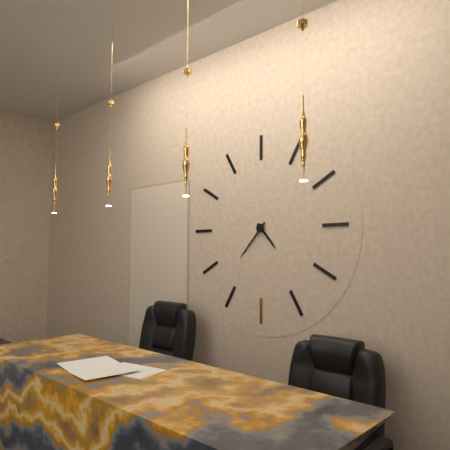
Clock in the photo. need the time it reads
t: 4:37
